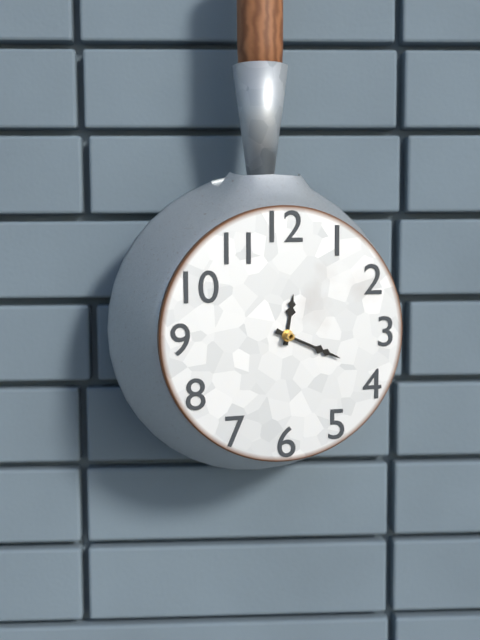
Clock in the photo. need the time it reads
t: 12:19
